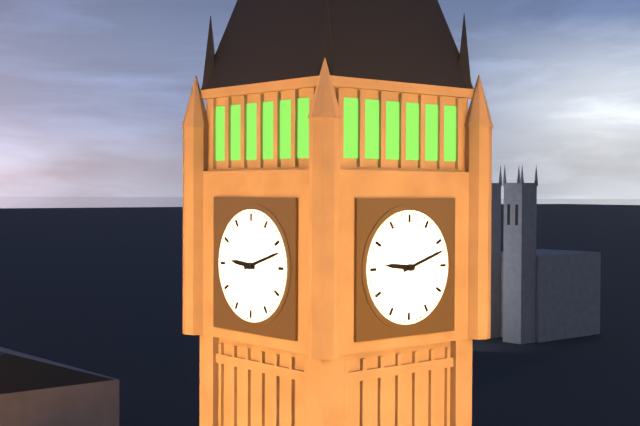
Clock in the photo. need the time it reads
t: 9:12
